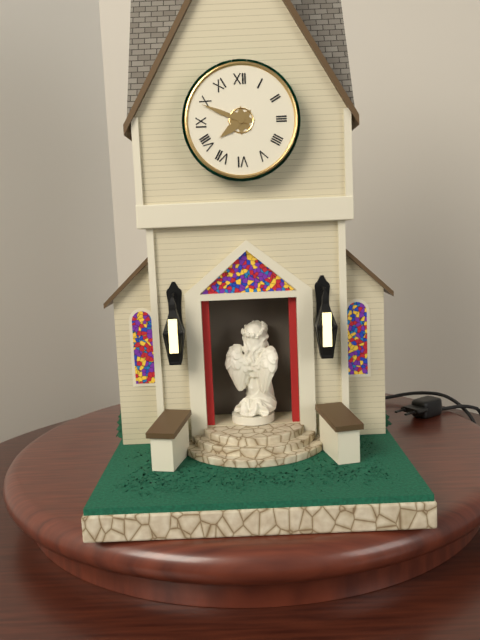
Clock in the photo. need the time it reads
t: 7:49
